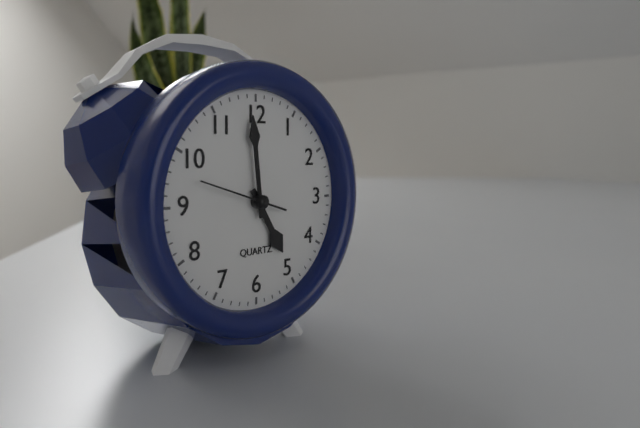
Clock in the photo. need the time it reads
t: 4:59:48
